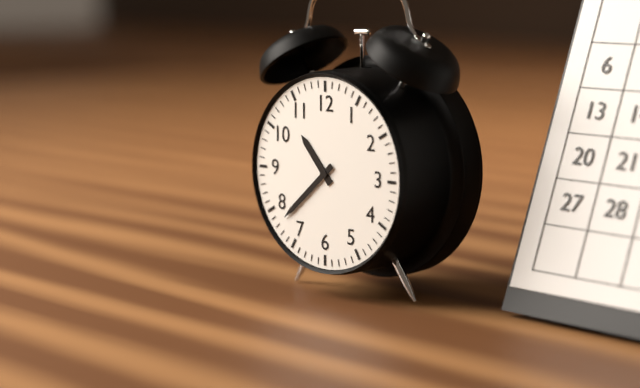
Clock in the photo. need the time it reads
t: 10:38
